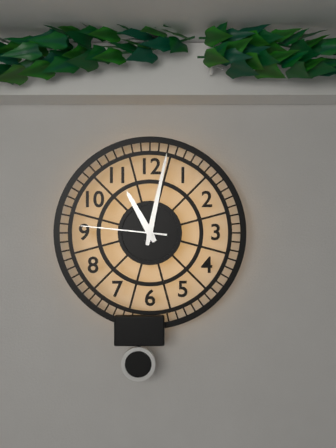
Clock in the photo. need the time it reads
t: 11:02:46
